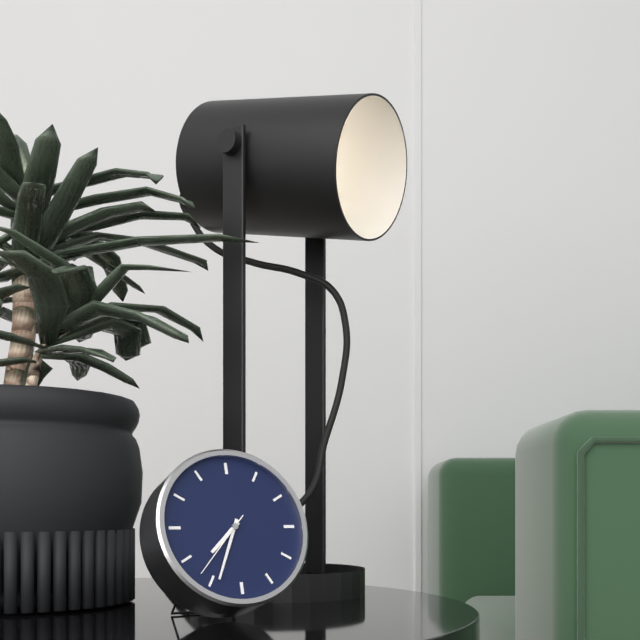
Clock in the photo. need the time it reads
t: 7:34:37
